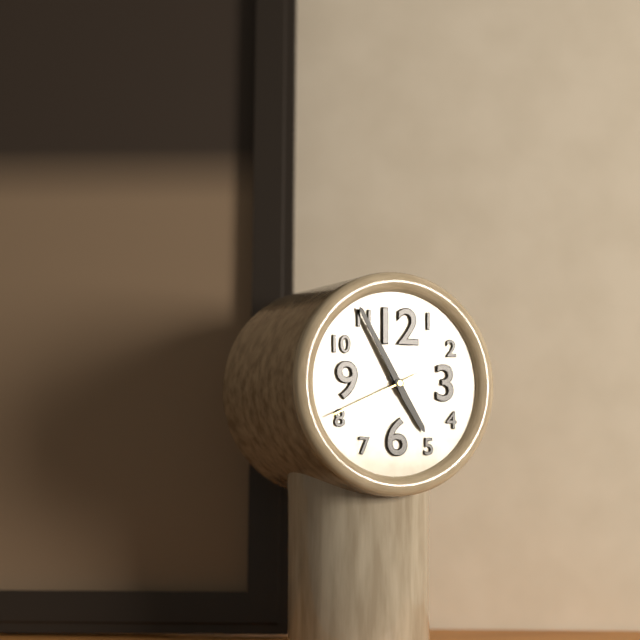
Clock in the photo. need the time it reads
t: 4:55:41
